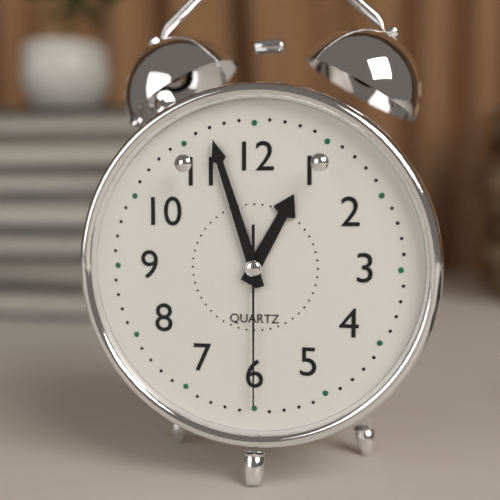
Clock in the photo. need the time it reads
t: 12:57:30
